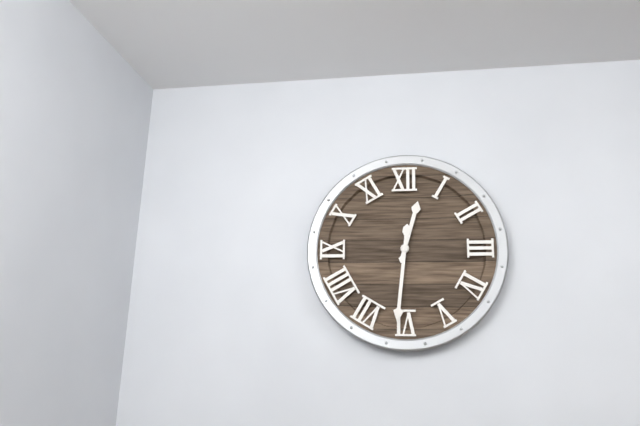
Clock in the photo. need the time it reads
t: 12:31
